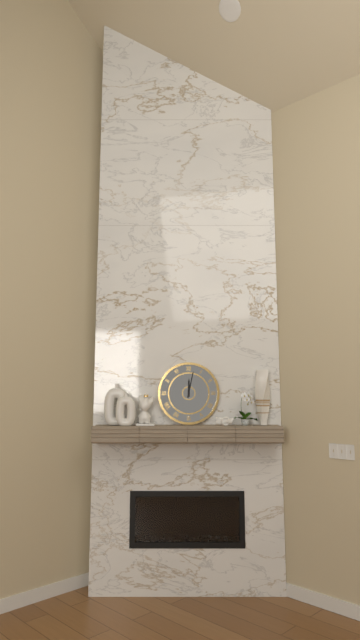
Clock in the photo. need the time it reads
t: 12:02
